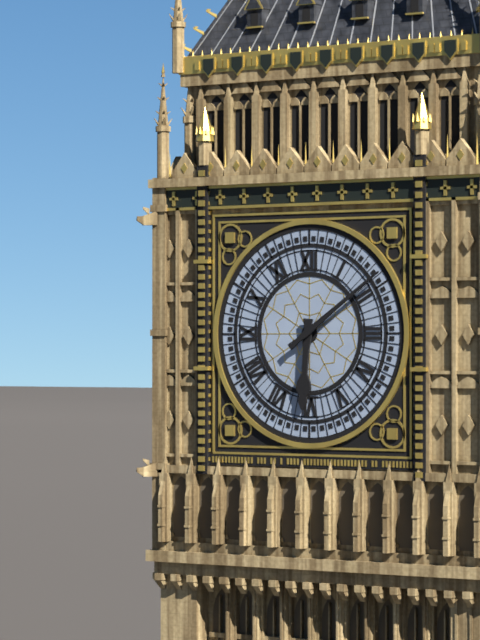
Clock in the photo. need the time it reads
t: 6:09
